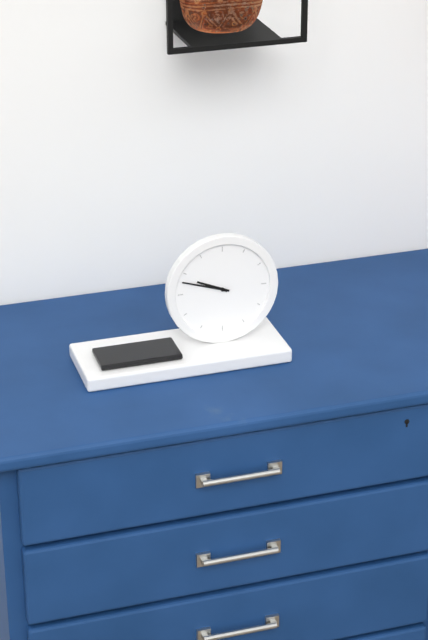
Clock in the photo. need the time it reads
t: 9:48
